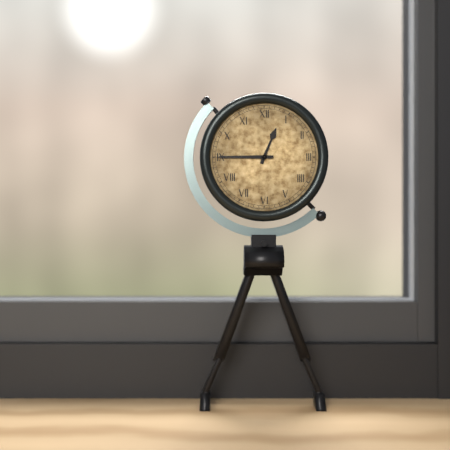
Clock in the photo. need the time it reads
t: 12:45
